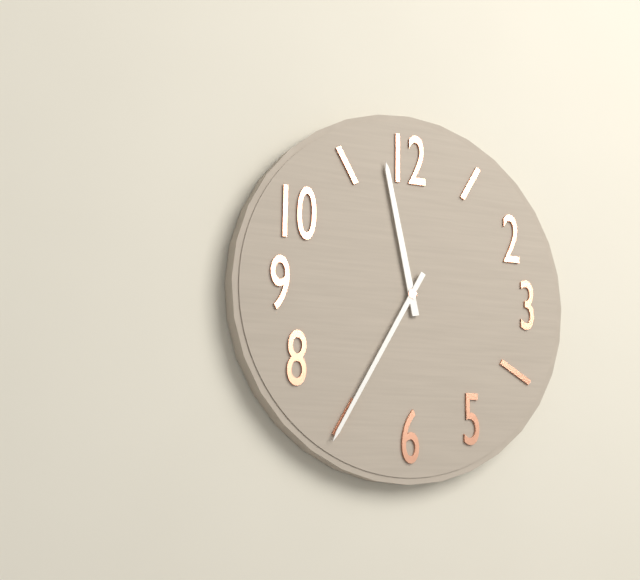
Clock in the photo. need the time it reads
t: 11:35
